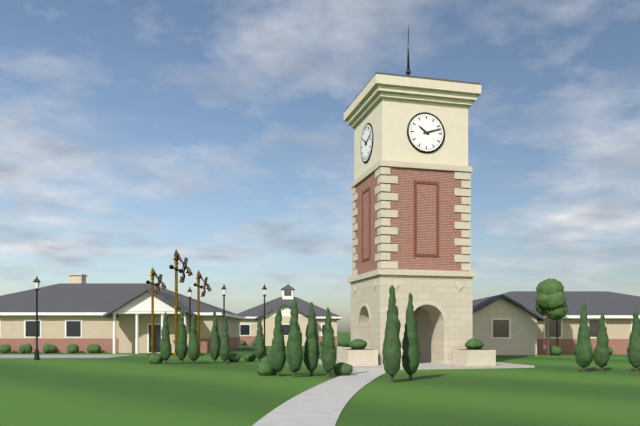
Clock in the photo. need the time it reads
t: 10:12
